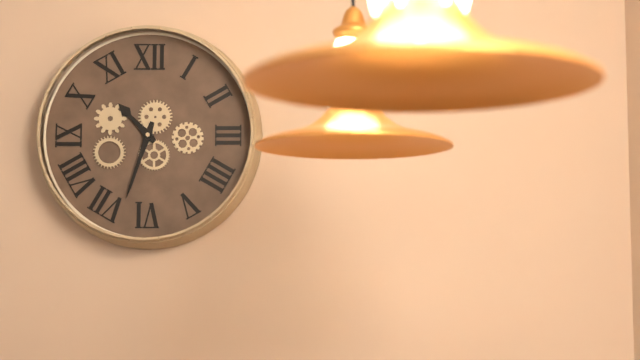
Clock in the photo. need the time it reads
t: 10:33
